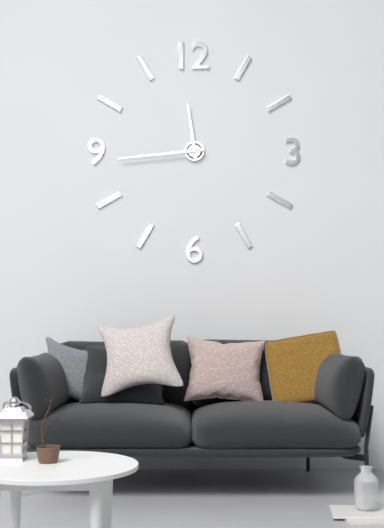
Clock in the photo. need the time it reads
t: 11:44
